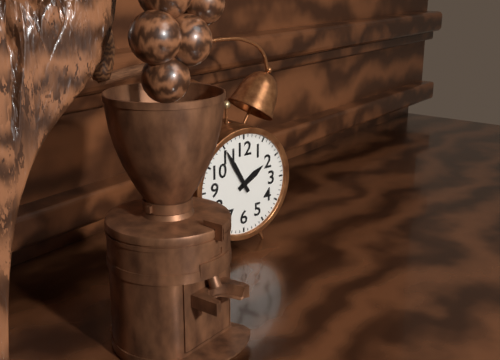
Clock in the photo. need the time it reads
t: 1:55
